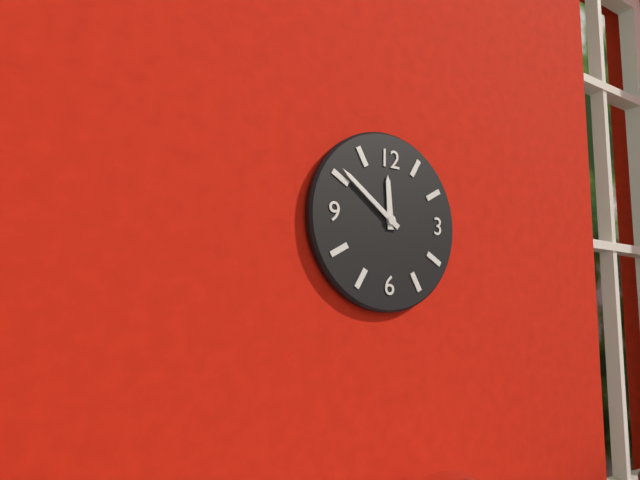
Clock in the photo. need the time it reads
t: 11:51
